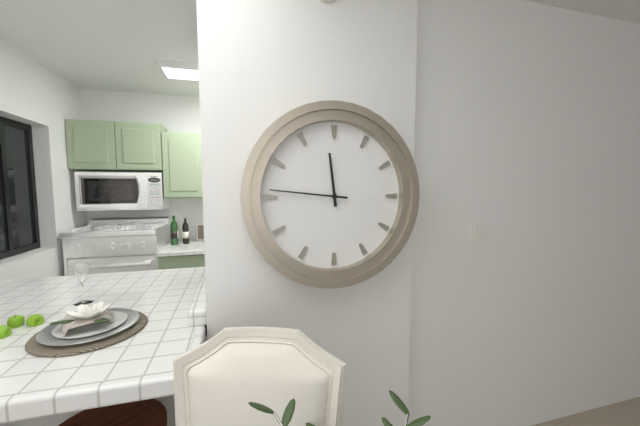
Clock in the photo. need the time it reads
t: 11:46
